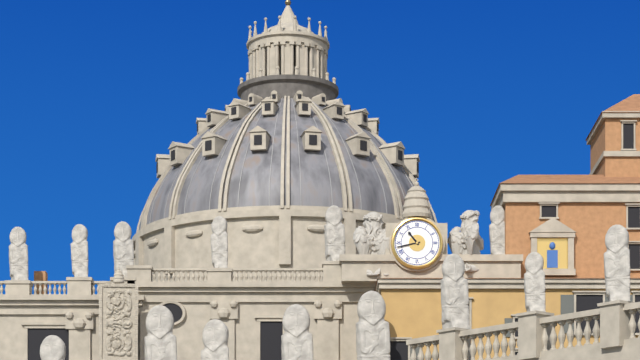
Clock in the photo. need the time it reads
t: 10:43
